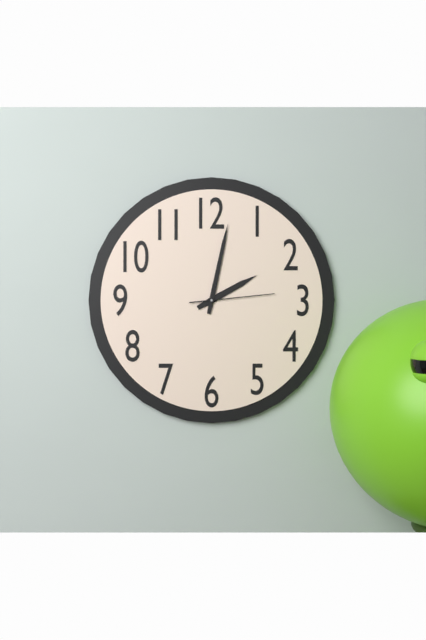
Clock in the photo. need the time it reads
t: 2:02:14
